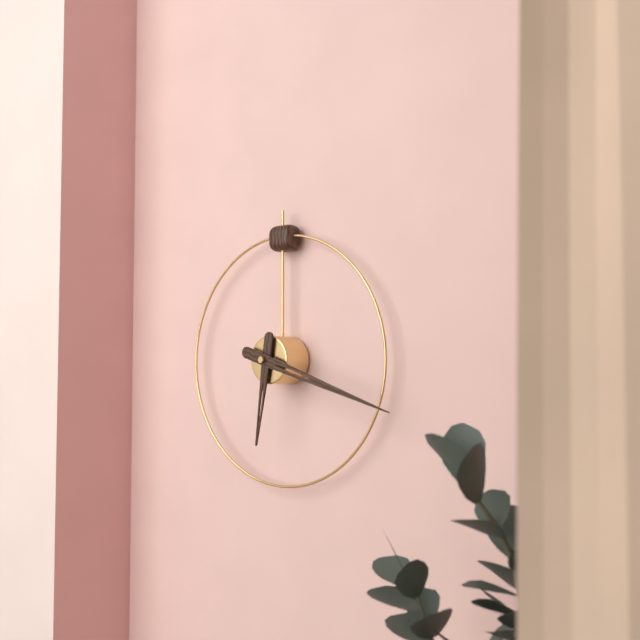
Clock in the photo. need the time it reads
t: 6:18
